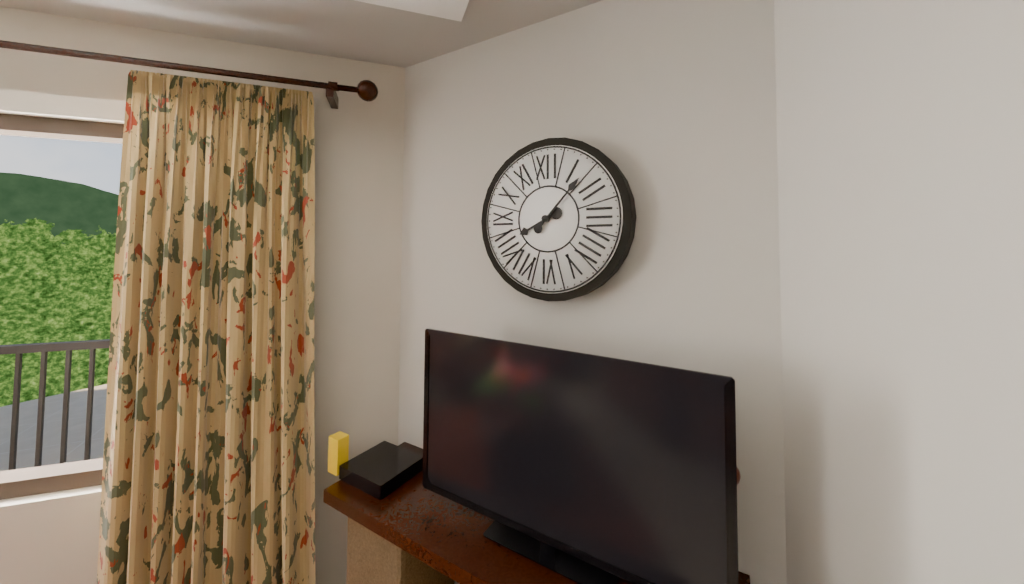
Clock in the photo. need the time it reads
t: 8:07
